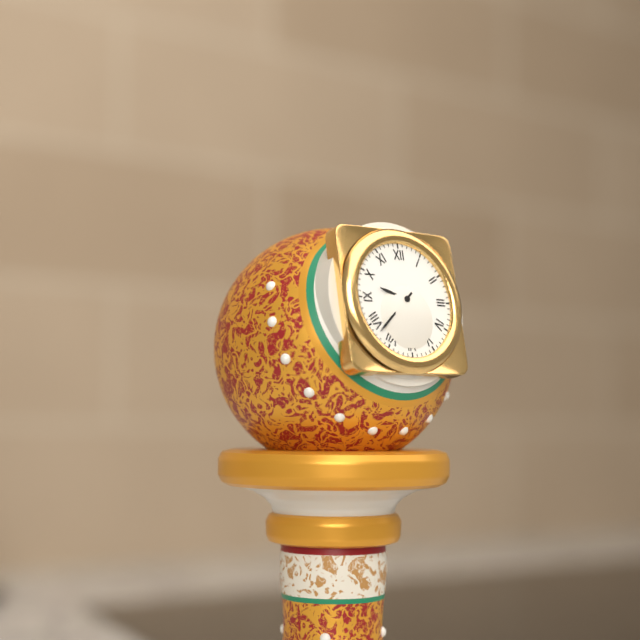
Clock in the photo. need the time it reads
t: 9:38
